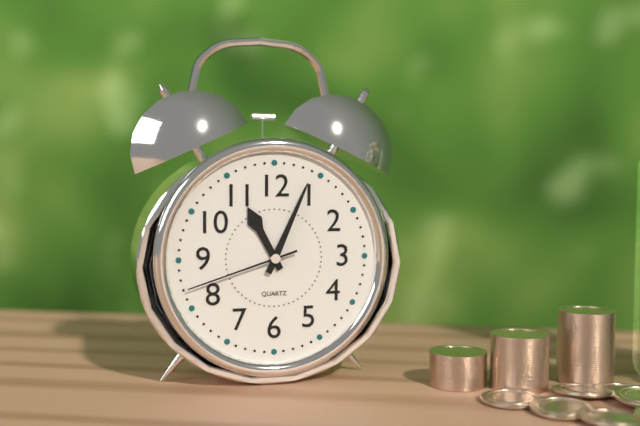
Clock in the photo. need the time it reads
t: 11:04:42
